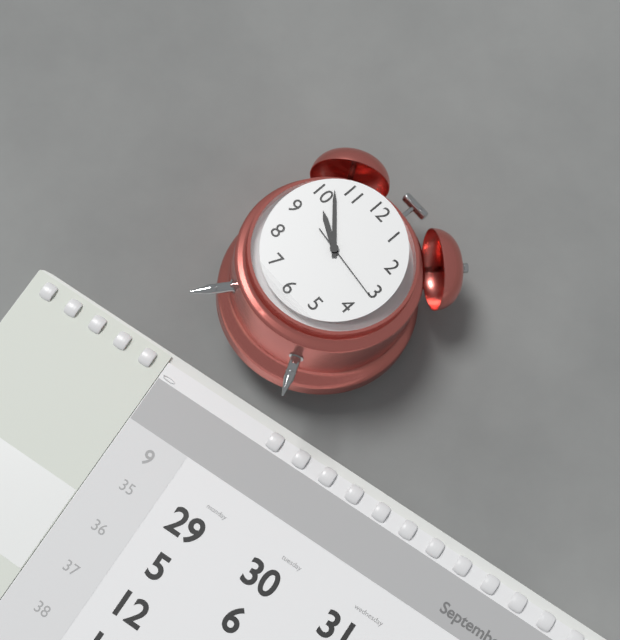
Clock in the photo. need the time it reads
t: 9:52:16
